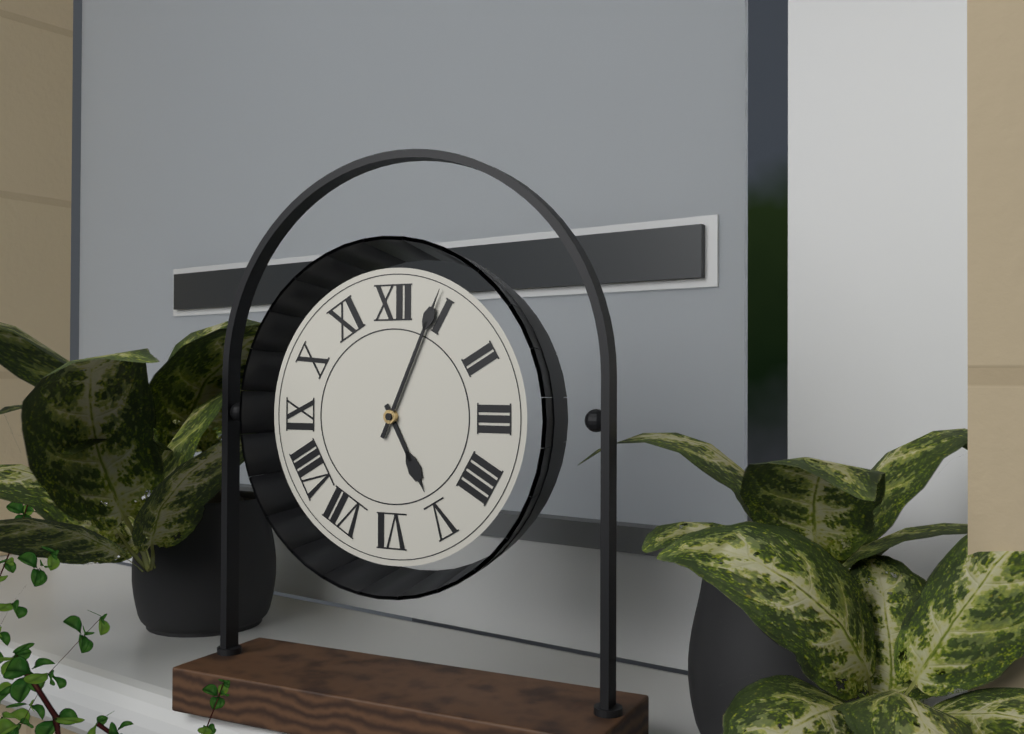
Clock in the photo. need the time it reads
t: 5:04
